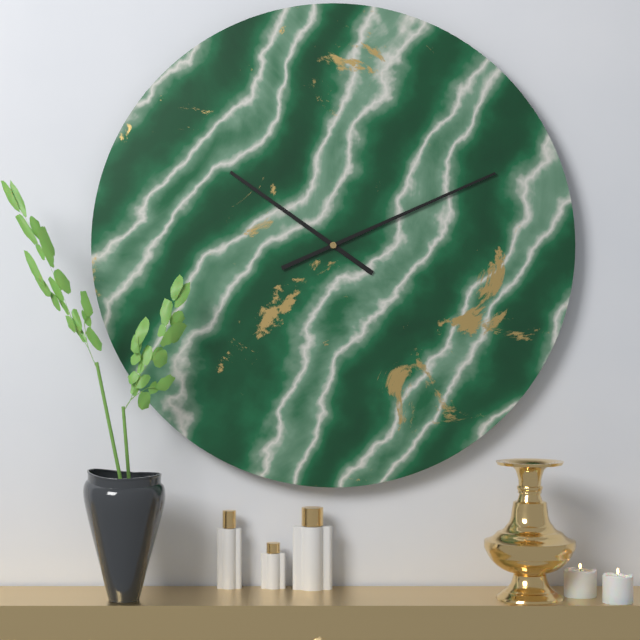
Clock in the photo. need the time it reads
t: 10:11
